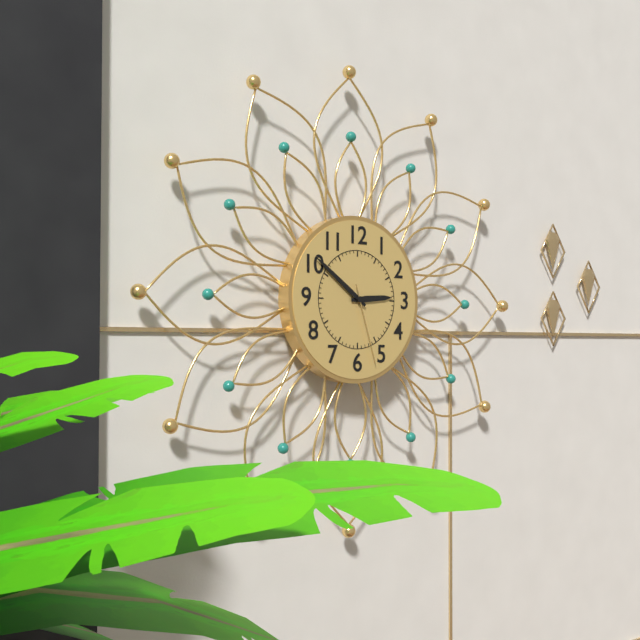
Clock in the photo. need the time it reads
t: 2:51:27
